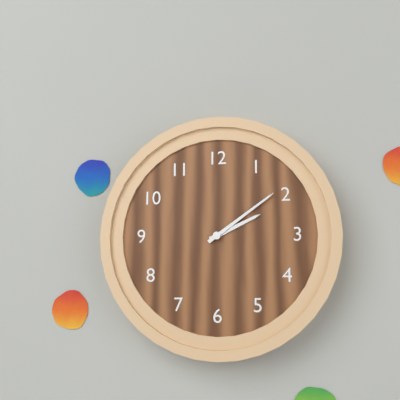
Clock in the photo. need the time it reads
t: 2:09
